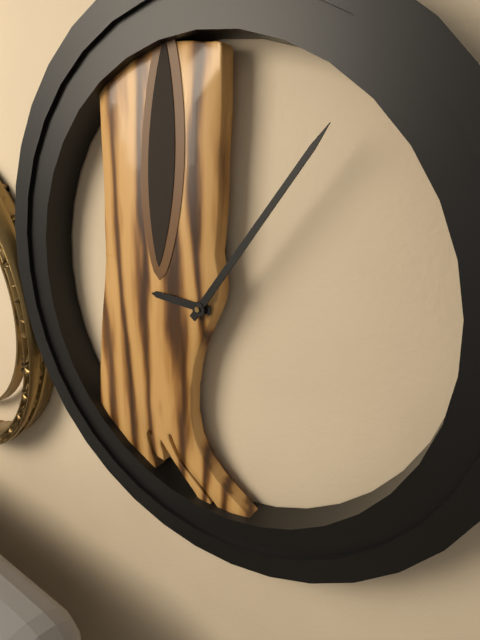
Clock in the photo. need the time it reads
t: 9:06
